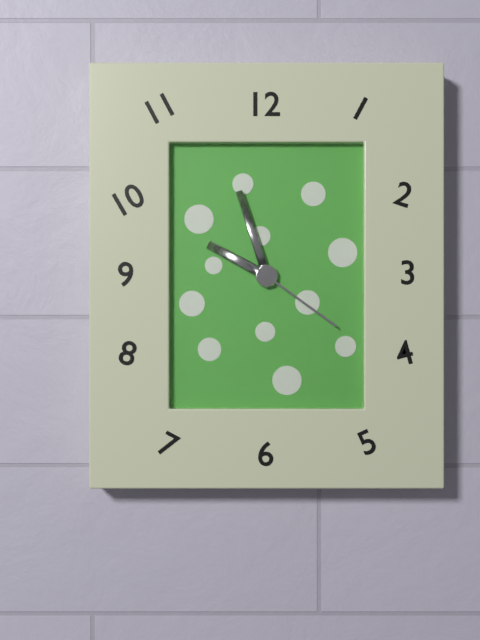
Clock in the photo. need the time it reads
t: 9:57:21
